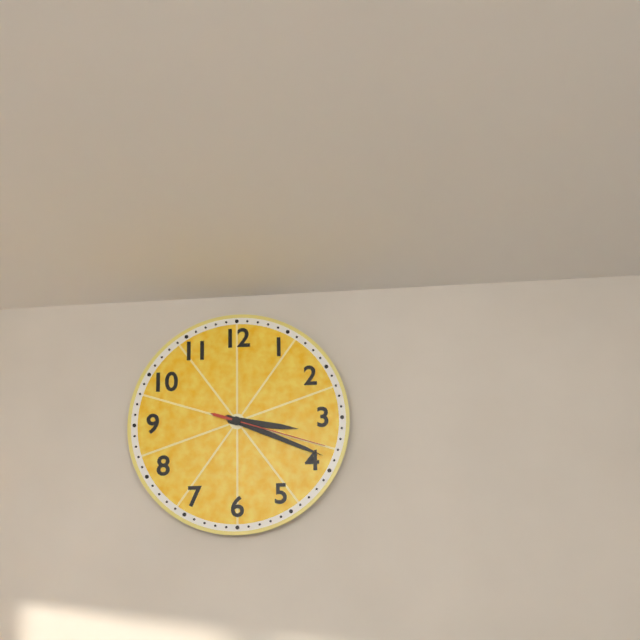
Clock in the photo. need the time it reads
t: 3:19:18
